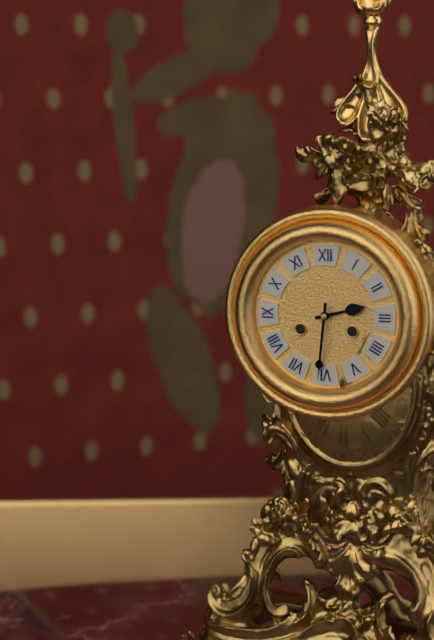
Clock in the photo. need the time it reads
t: 2:31
